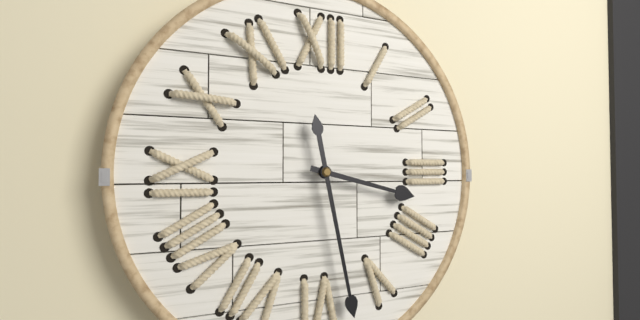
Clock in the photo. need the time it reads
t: 3:28
